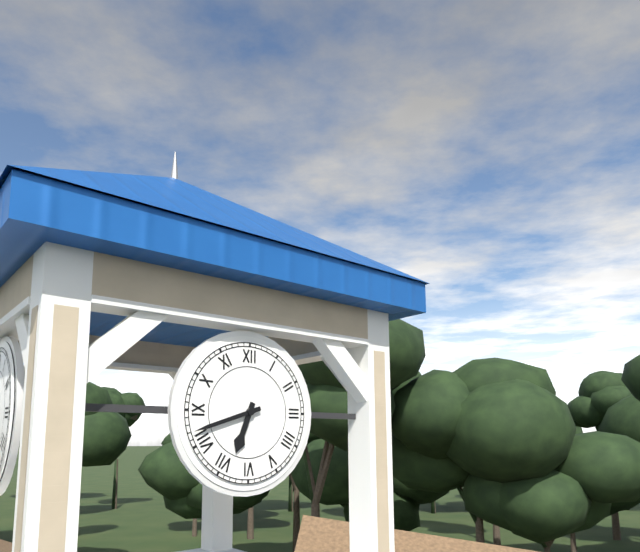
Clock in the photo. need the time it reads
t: 6:42
